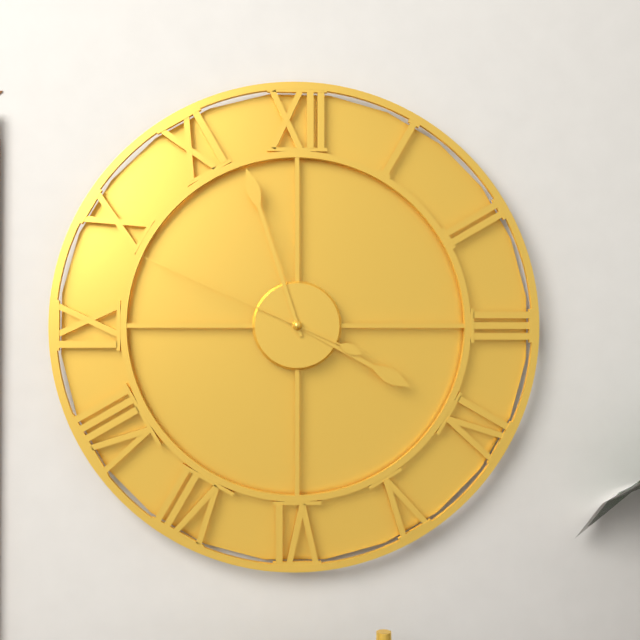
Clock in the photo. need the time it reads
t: 3:57:49
